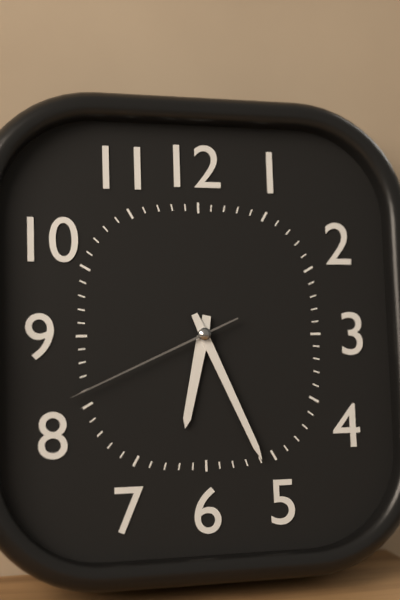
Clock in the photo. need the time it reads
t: 6:26:41
